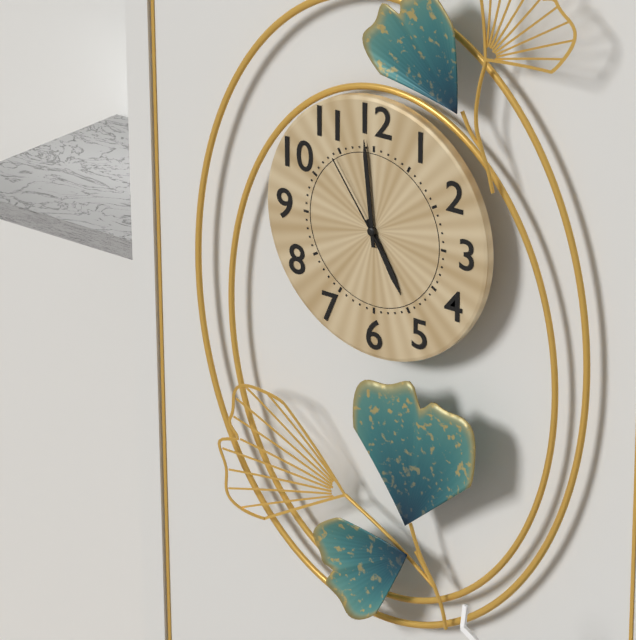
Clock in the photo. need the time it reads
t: 4:59:54
